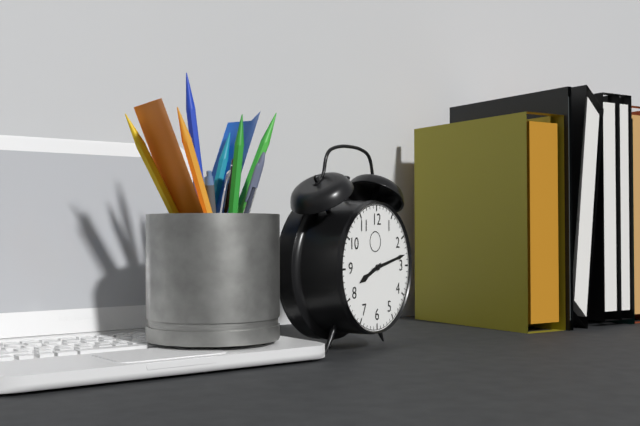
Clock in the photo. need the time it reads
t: 8:13
